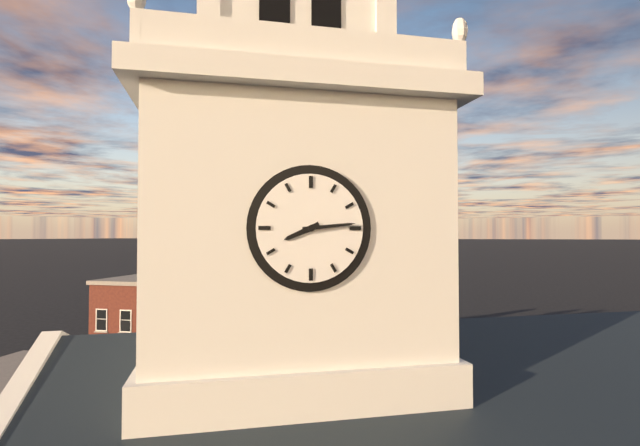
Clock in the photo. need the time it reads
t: 8:14
